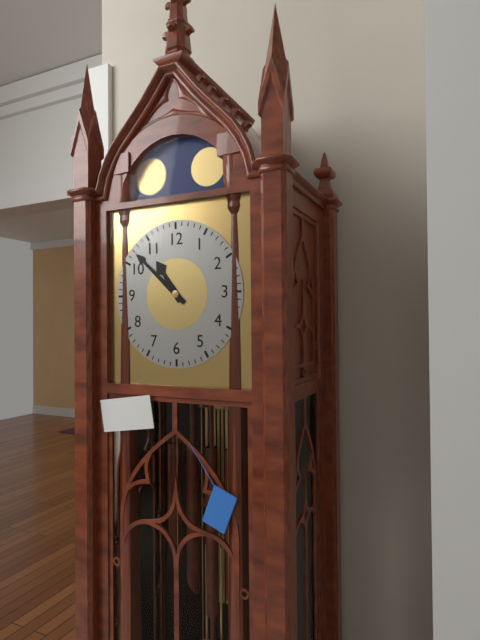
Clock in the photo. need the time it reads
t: 10:52
